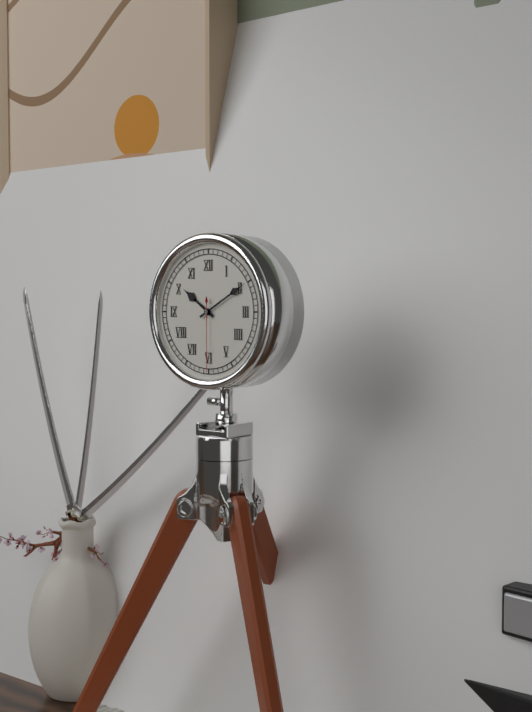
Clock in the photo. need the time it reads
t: 10:10:30
